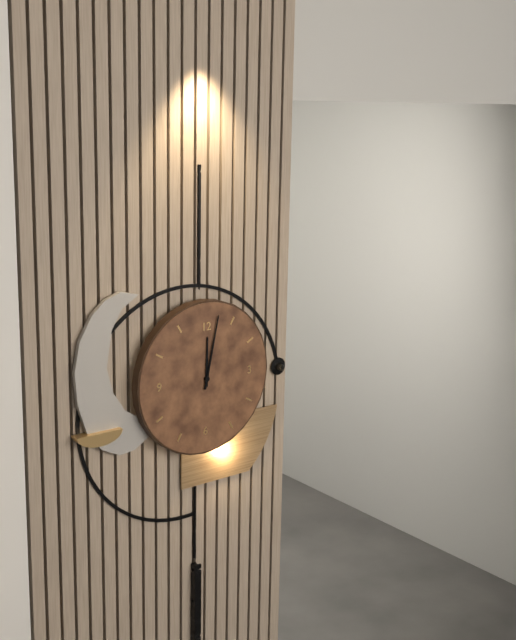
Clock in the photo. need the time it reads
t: 12:02
